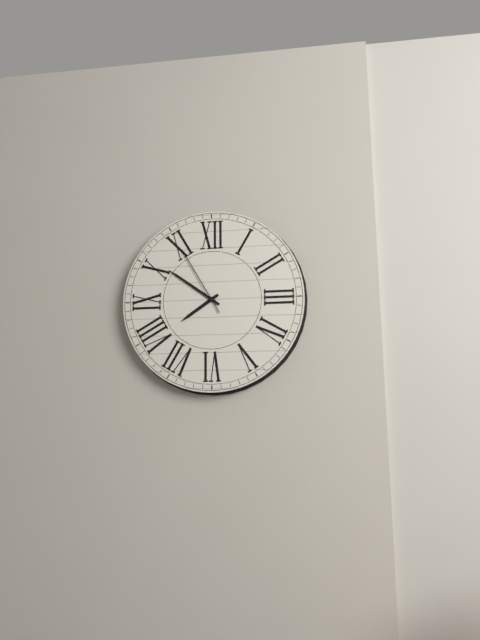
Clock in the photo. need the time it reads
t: 7:51:55
